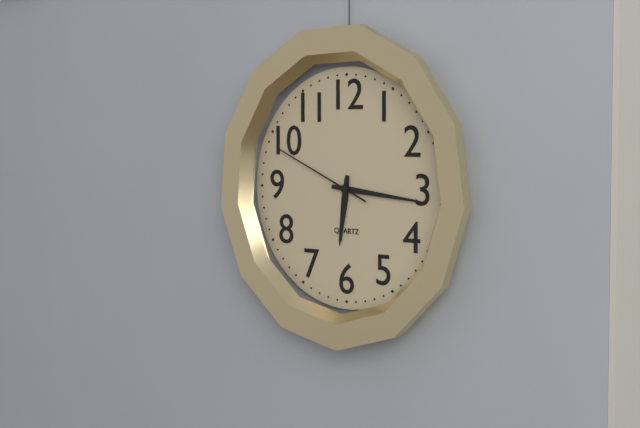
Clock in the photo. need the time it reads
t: 6:16:49
